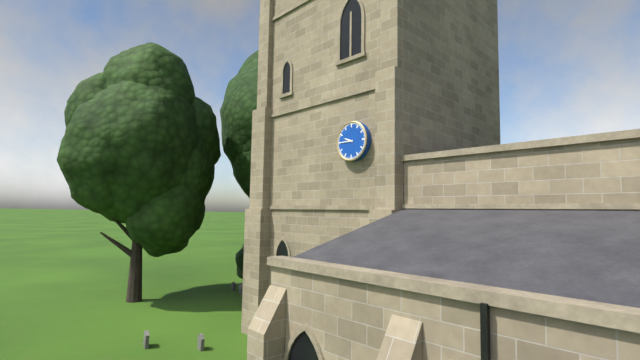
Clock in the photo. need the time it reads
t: 9:45
